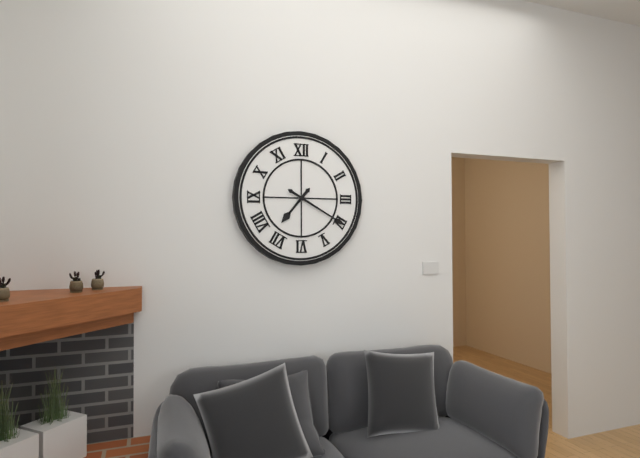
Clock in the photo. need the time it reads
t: 7:20
